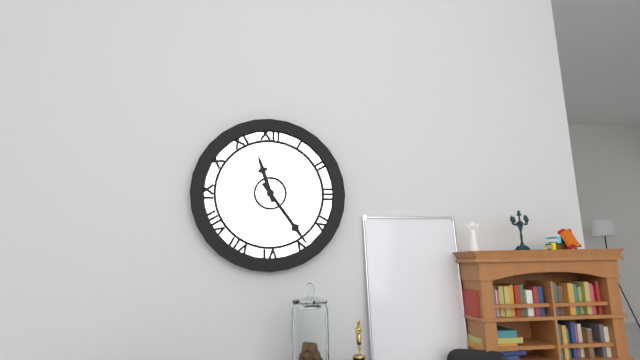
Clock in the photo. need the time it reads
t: 11:24
